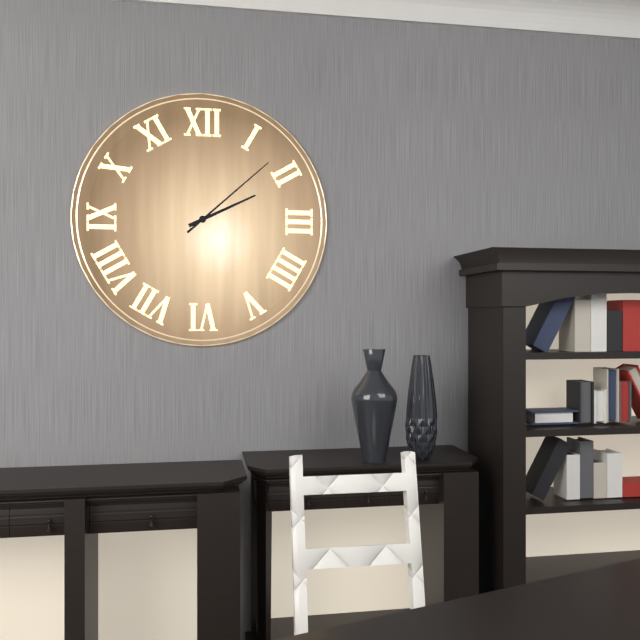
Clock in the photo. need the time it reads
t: 2:08
